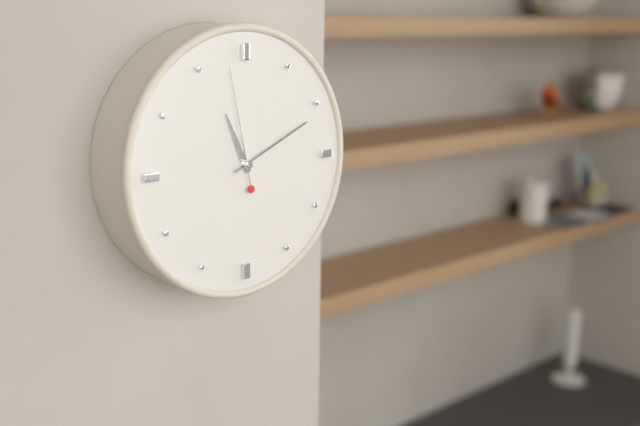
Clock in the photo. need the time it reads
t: 11:11:58
